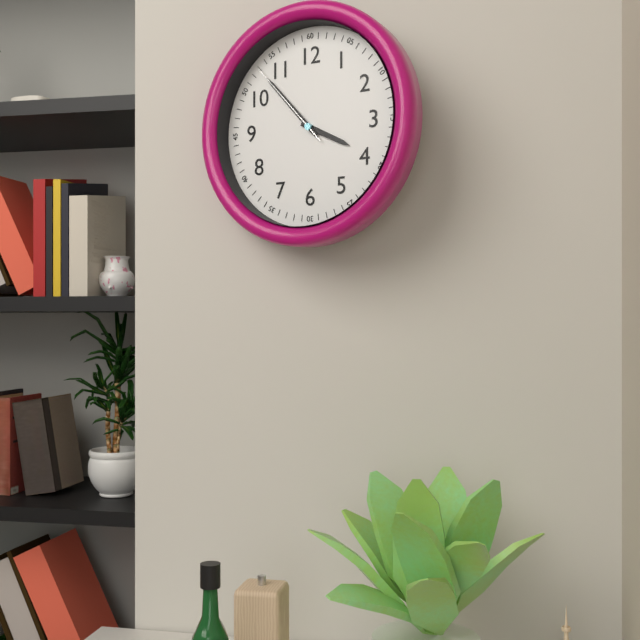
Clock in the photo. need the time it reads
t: 3:53:53
